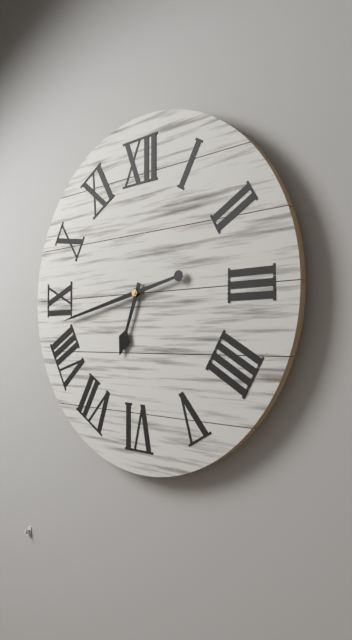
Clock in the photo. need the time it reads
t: 6:43
